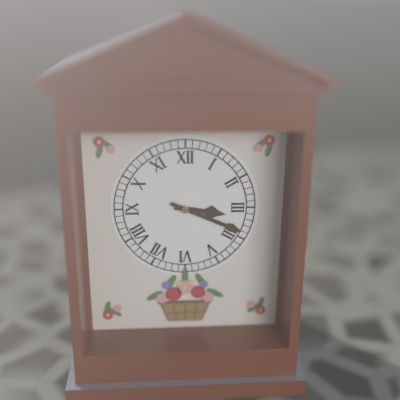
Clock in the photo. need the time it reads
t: 3:19
